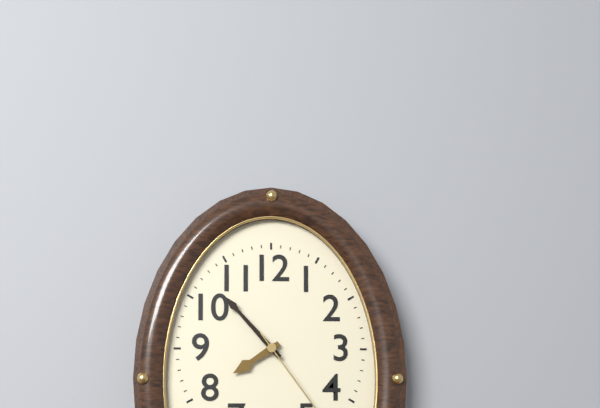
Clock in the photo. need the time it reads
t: 7:53
